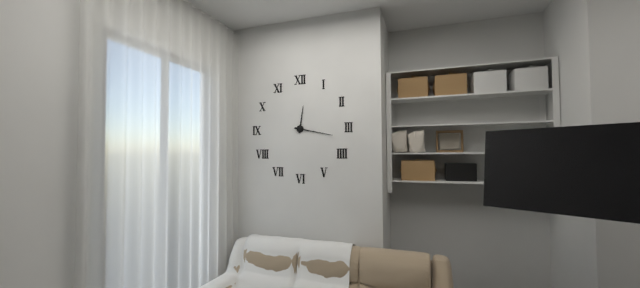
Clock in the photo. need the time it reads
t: 12:17
